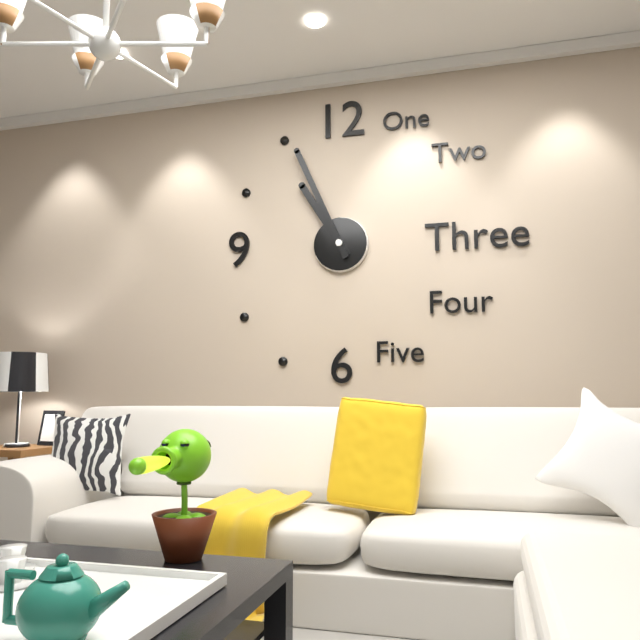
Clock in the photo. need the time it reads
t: 10:56
